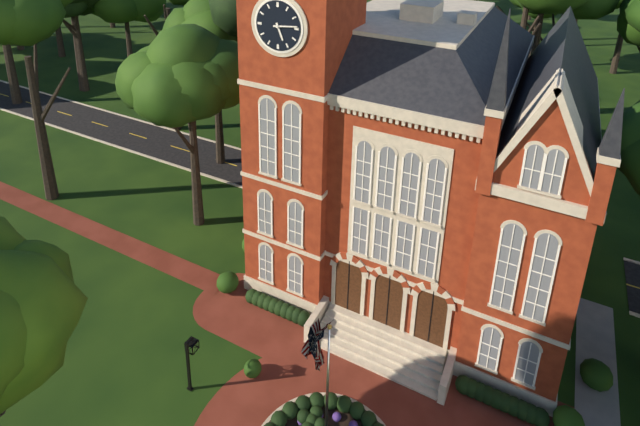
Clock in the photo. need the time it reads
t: 5:14
